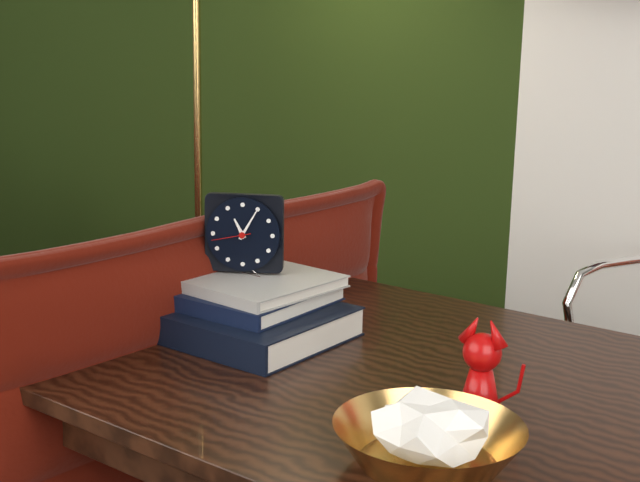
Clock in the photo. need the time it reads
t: 11:05
